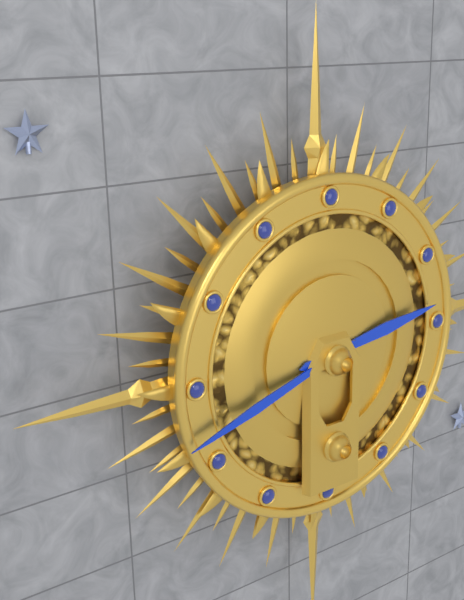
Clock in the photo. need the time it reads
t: 2:42
